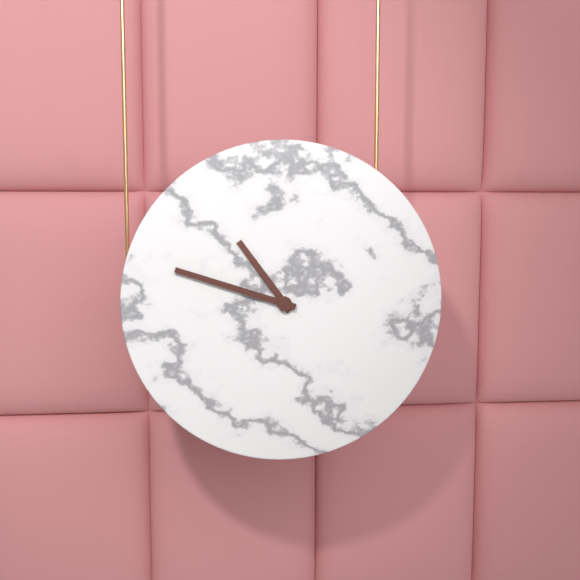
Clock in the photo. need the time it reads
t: 10:48
